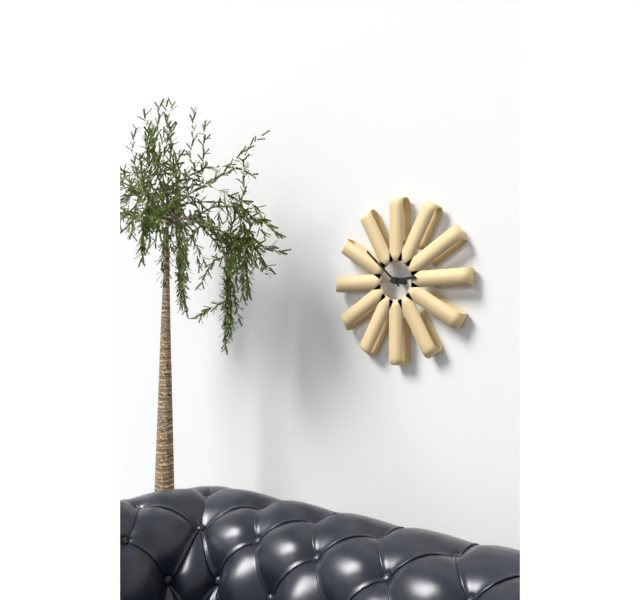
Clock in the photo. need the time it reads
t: 2:52
